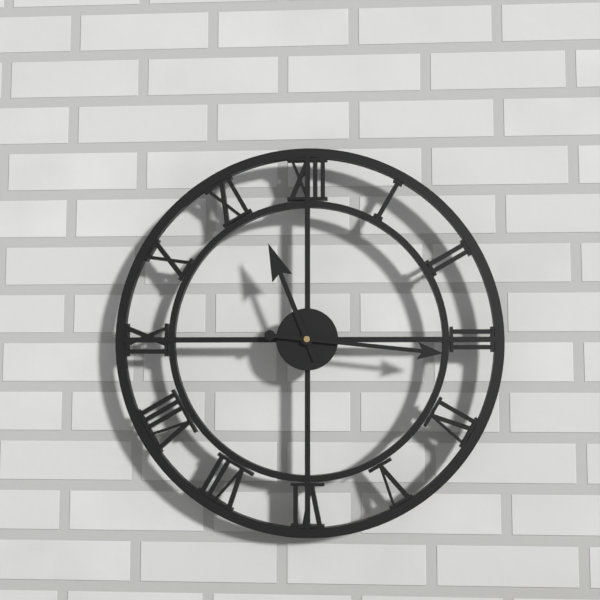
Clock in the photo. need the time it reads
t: 11:16
